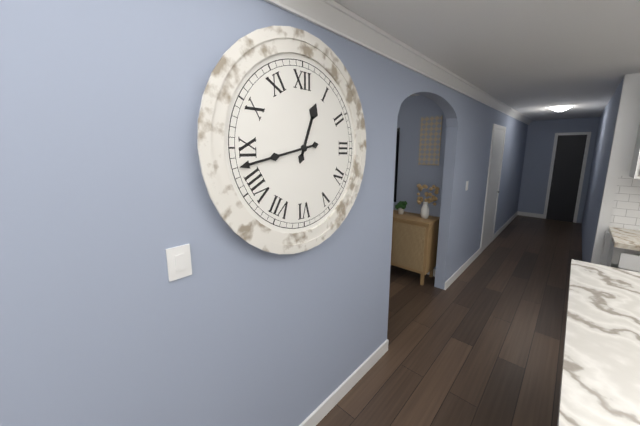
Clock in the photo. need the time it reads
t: 12:43
